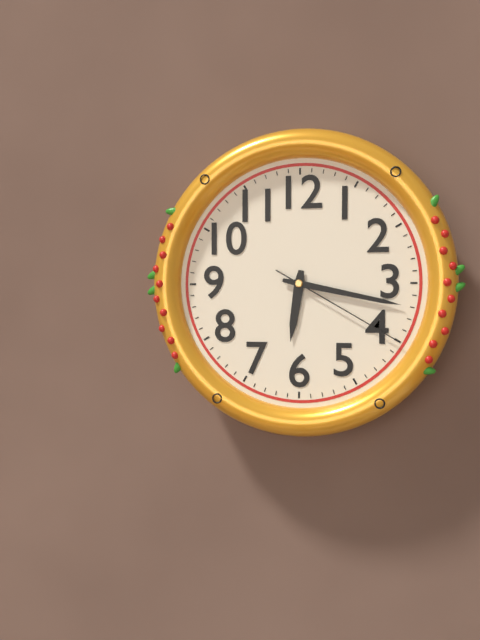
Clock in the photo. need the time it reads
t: 6:17:20
